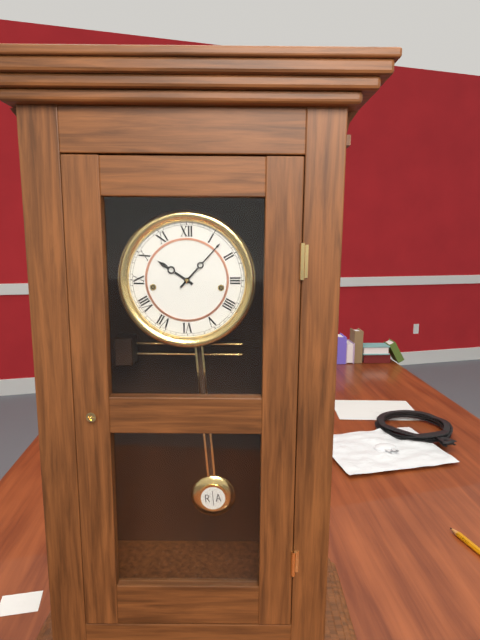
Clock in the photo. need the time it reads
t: 10:07
